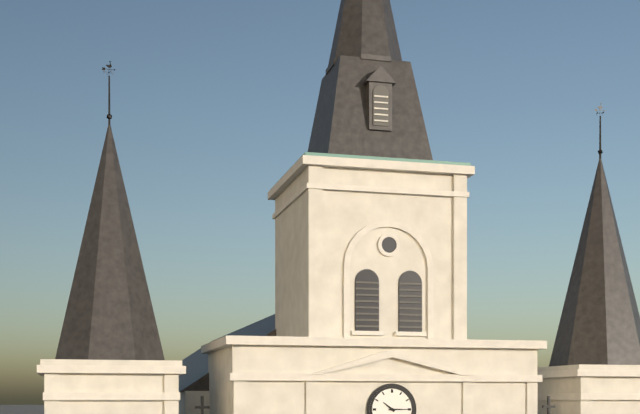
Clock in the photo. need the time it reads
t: 10:15
